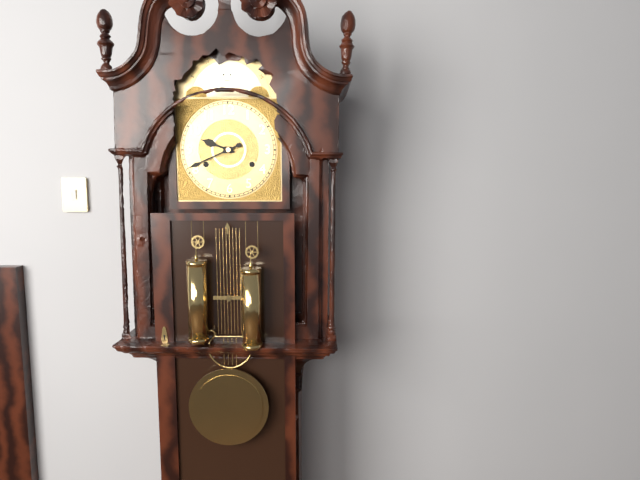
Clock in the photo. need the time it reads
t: 9:41
